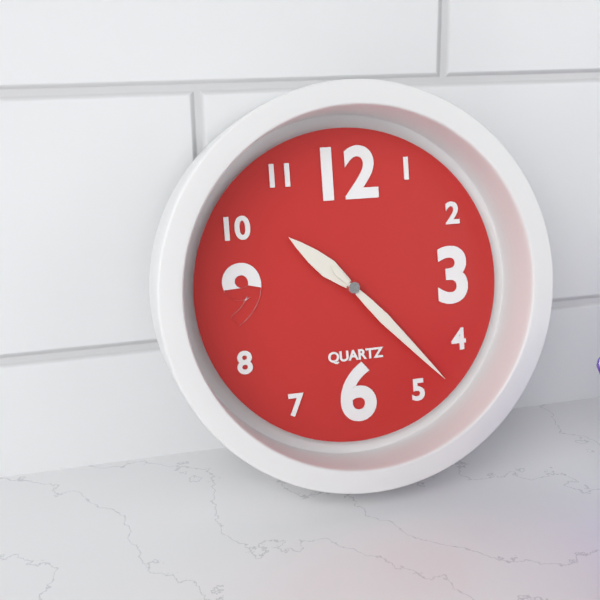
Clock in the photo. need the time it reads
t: 10:23
